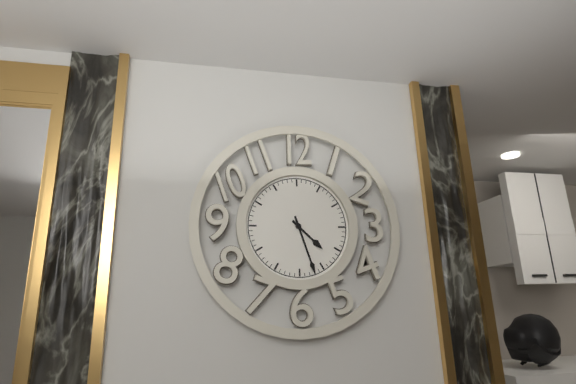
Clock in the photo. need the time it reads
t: 4:27
